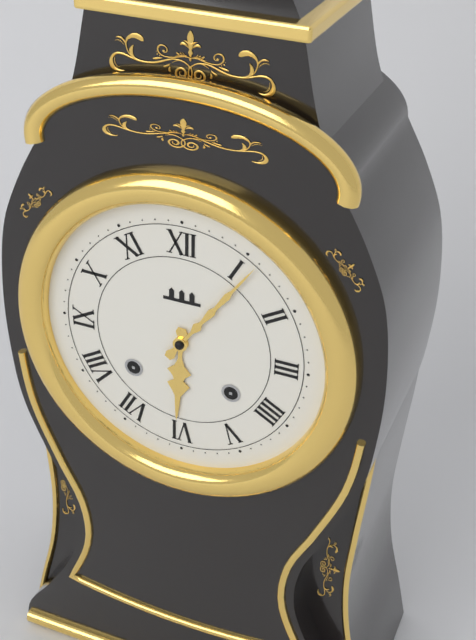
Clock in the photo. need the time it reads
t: 6:06
